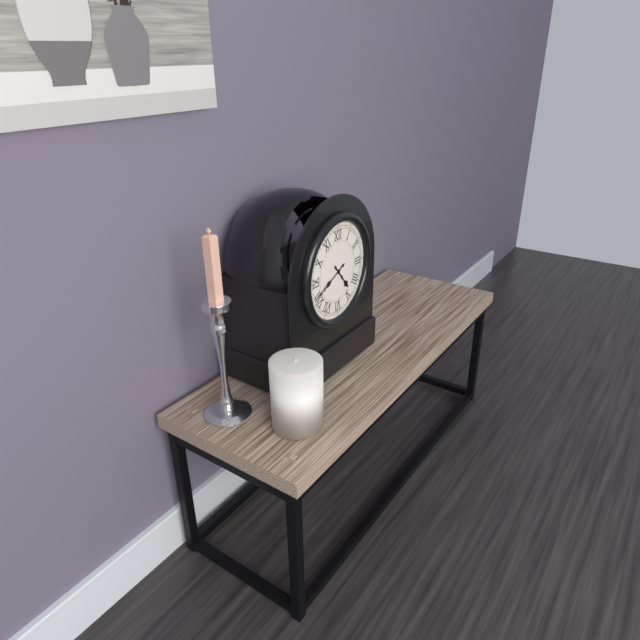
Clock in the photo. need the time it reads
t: 4:41
